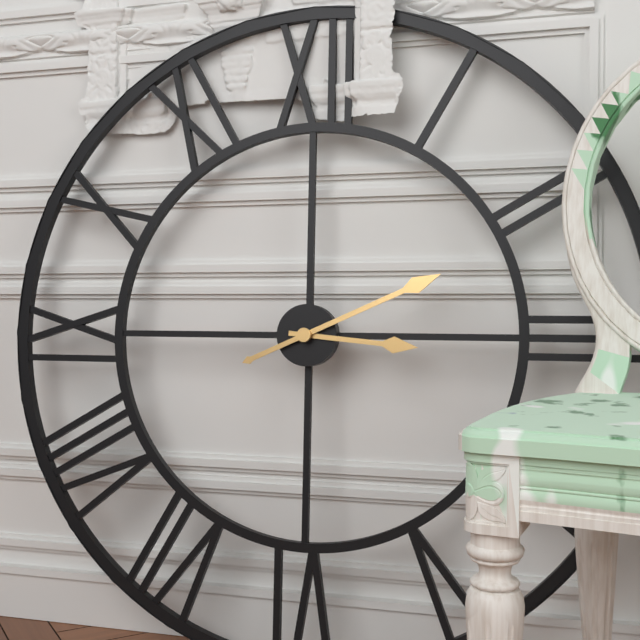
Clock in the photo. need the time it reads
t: 3:11
